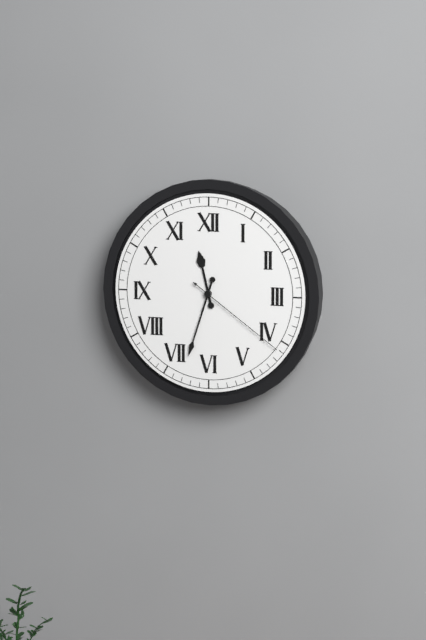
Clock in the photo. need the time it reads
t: 11:33:21
